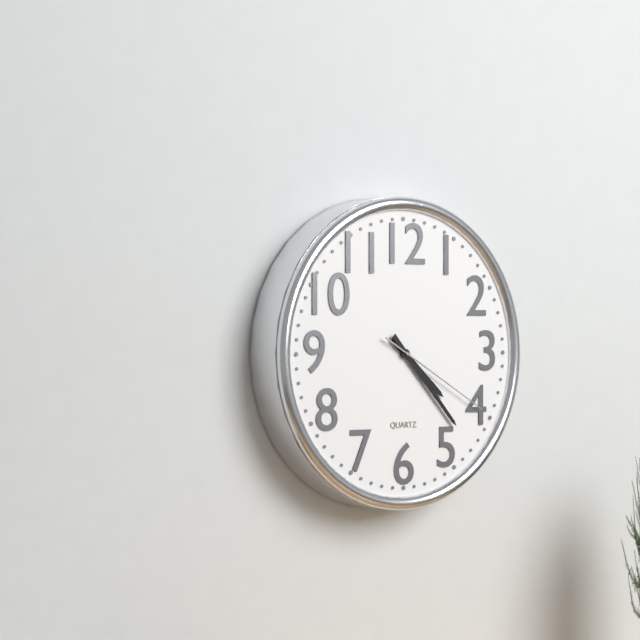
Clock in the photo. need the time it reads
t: 4:23:20
